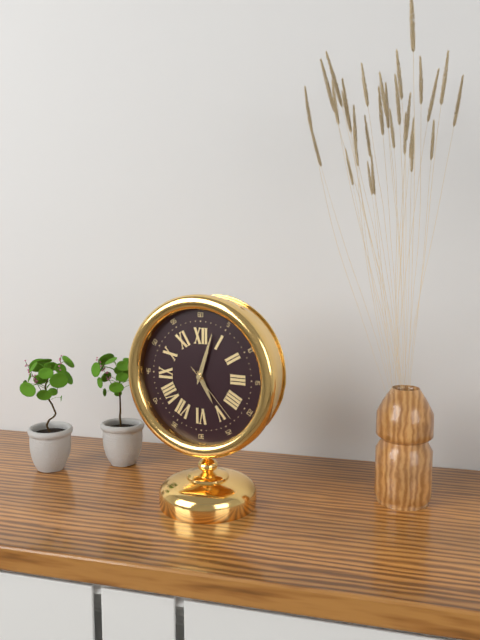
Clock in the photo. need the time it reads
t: 5:03:23
